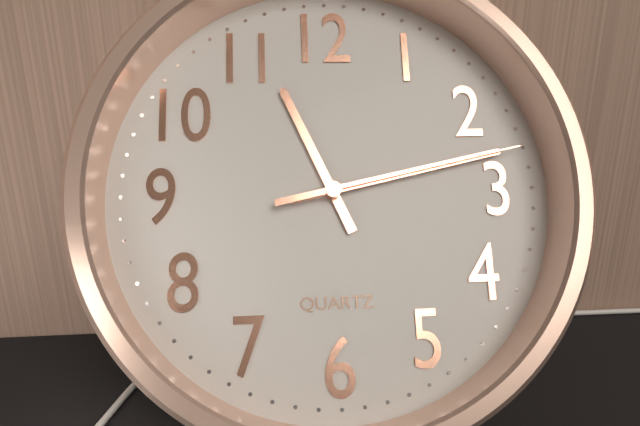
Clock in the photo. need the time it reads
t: 11:13:13
